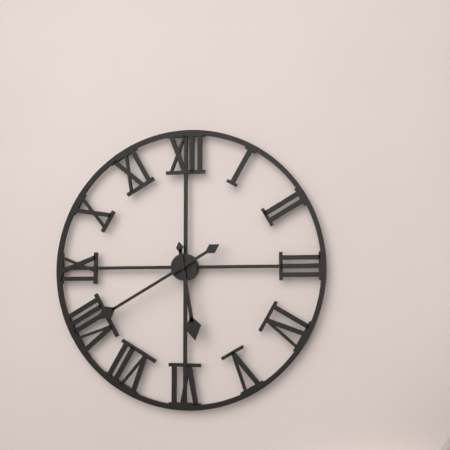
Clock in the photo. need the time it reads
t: 5:40
